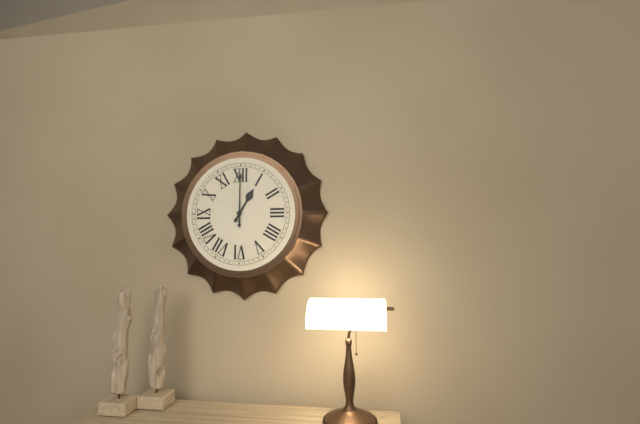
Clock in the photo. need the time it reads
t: 1:00
